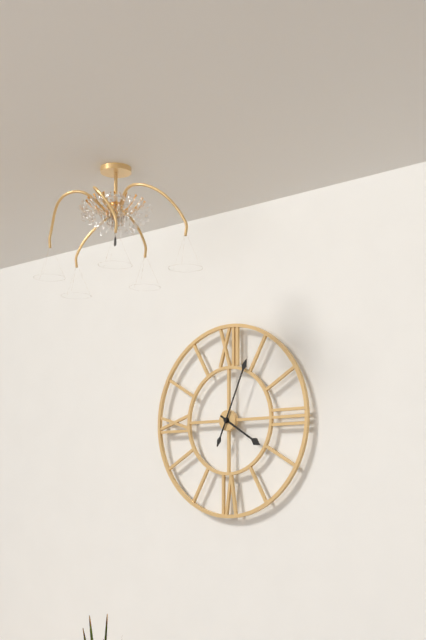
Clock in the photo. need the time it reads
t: 4:04
